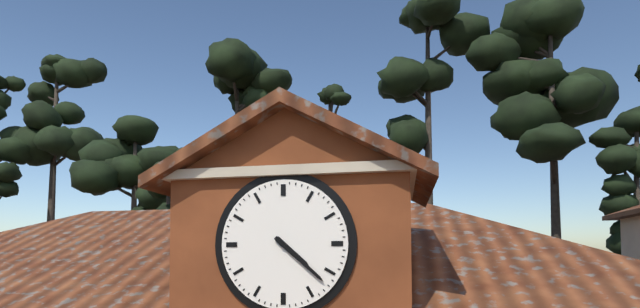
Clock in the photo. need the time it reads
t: 4:22
